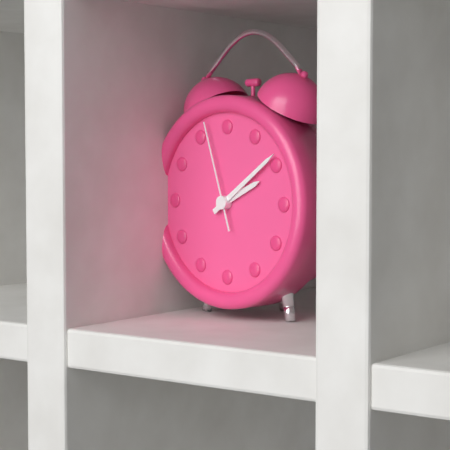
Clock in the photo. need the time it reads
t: 2:09:57
